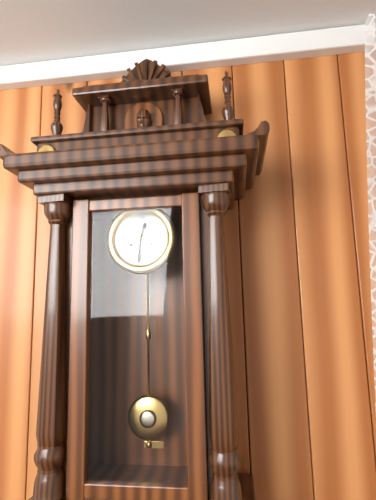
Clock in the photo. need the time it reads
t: 12:31
